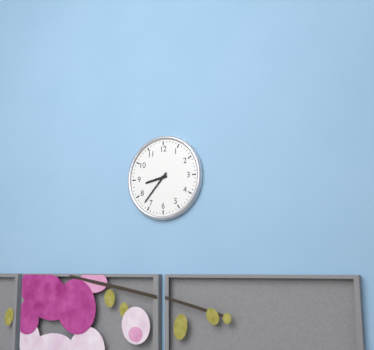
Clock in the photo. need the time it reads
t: 8:37
